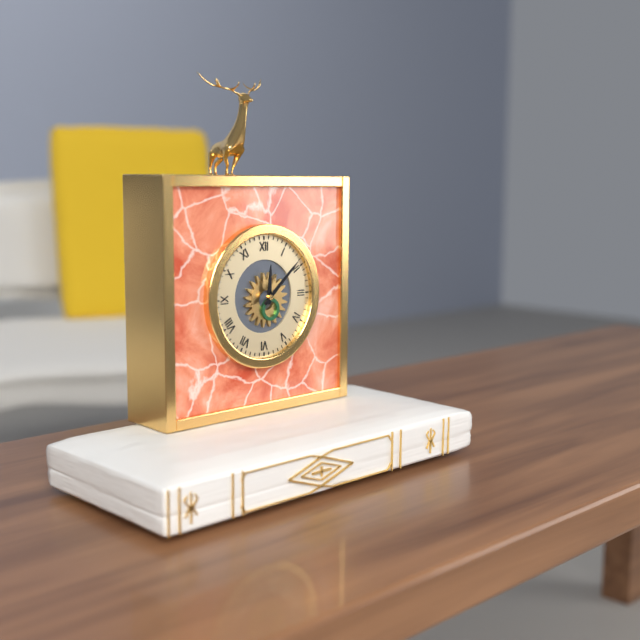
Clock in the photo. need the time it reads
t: 12:08
